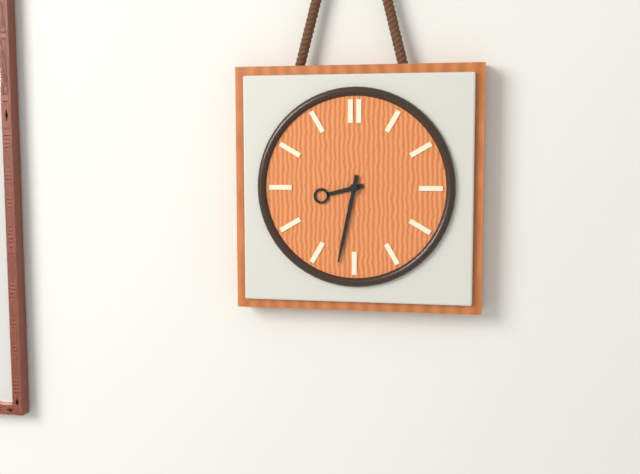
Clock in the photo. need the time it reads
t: 8:32
